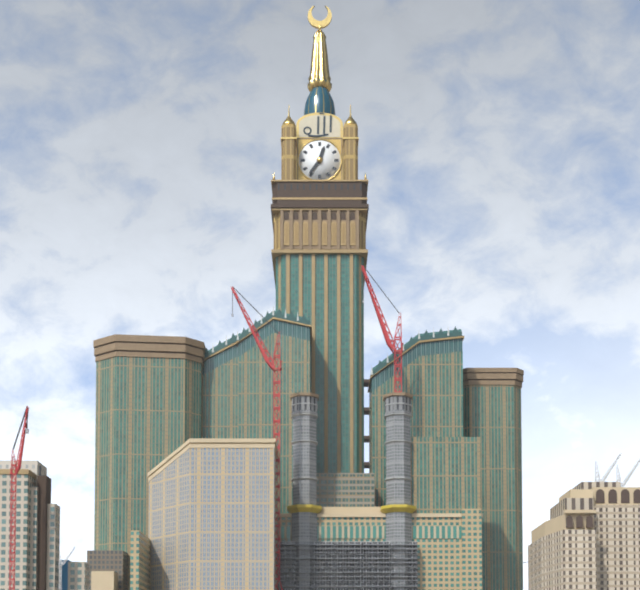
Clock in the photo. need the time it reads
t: 12:36
